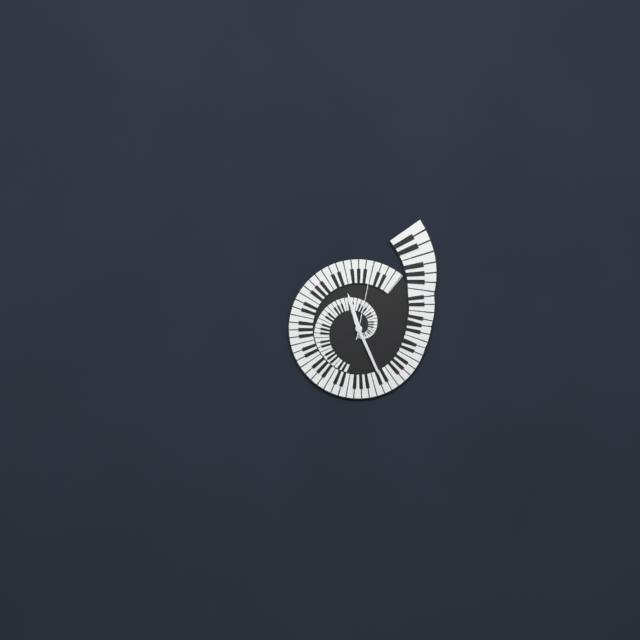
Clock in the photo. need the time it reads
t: 11:26:02
